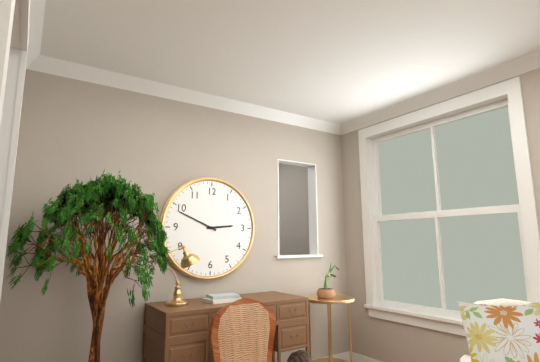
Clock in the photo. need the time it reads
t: 2:49
